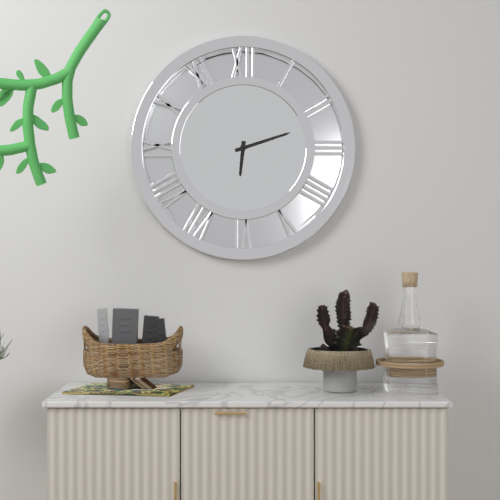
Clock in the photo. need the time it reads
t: 6:12
